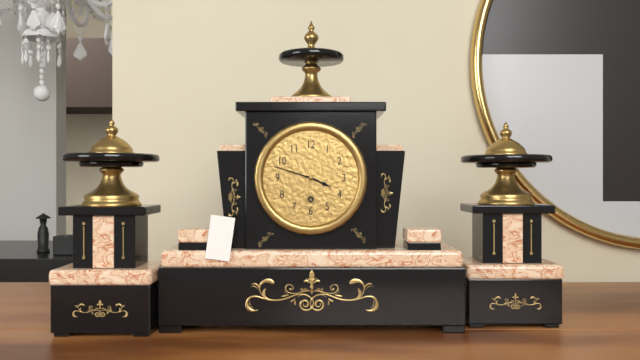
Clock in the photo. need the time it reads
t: 3:48
